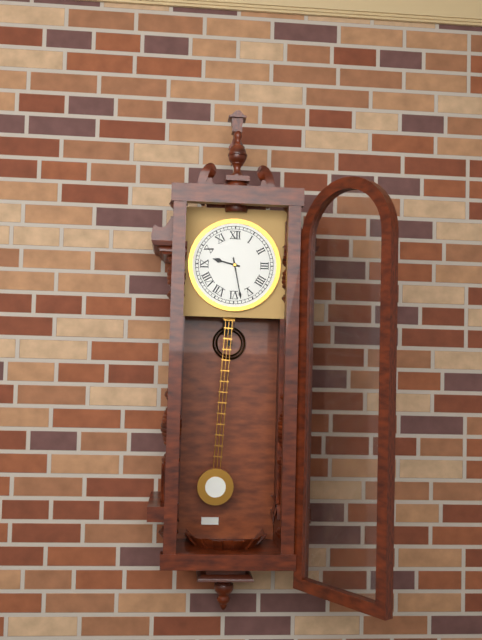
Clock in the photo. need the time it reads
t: 9:28
